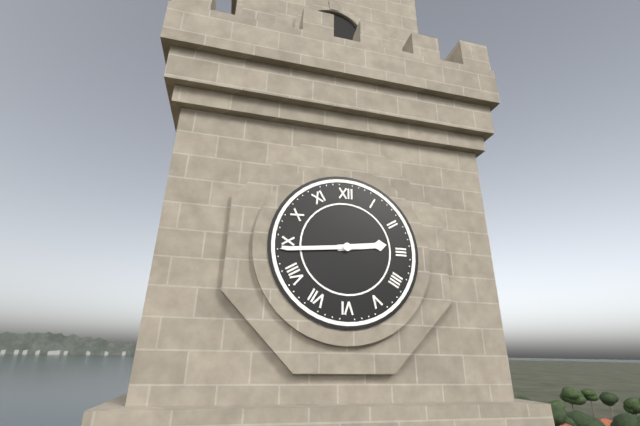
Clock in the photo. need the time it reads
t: 2:44
